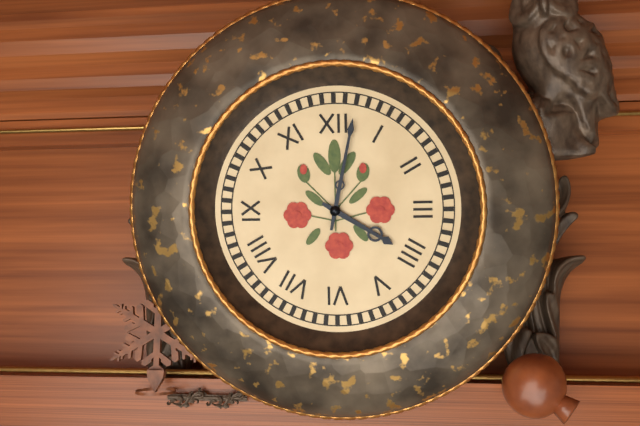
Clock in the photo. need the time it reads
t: 4:02
